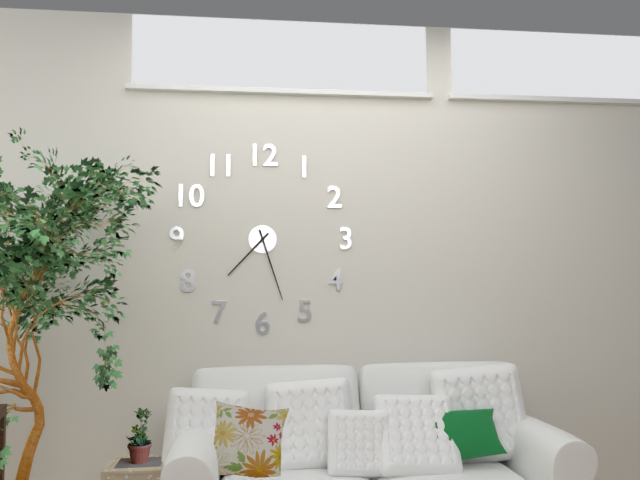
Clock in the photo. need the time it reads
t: 7:27
